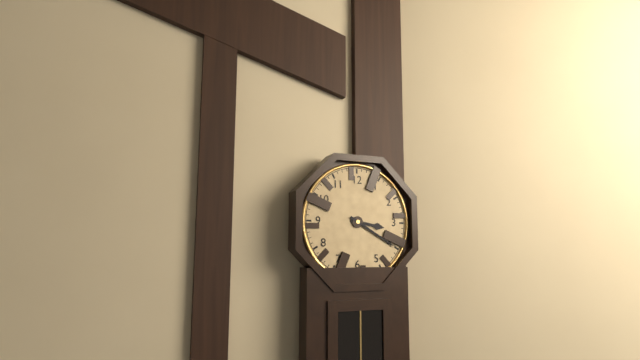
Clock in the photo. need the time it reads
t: 3:20
